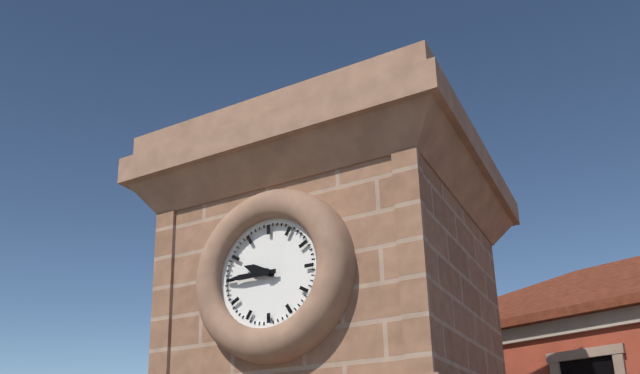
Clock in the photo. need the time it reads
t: 9:45
